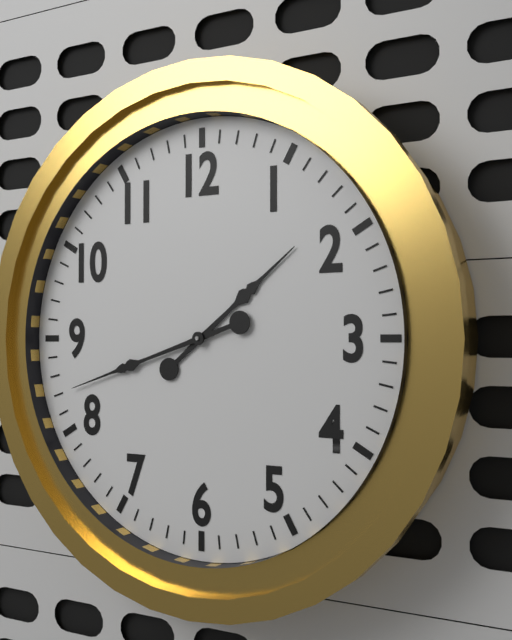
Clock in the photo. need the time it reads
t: 1:42
